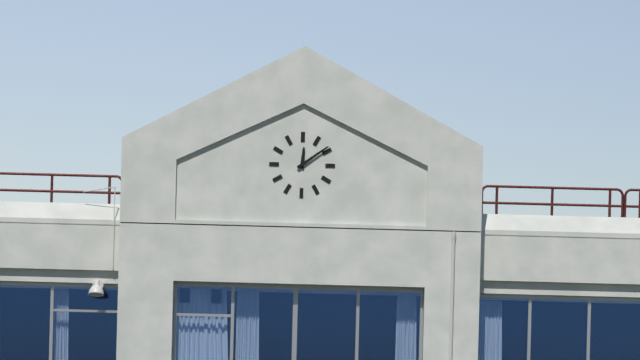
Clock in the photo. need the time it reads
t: 12:09
